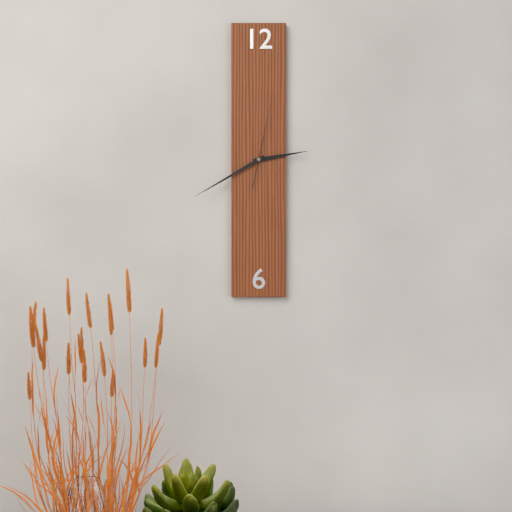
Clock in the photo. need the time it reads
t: 2:40:02
